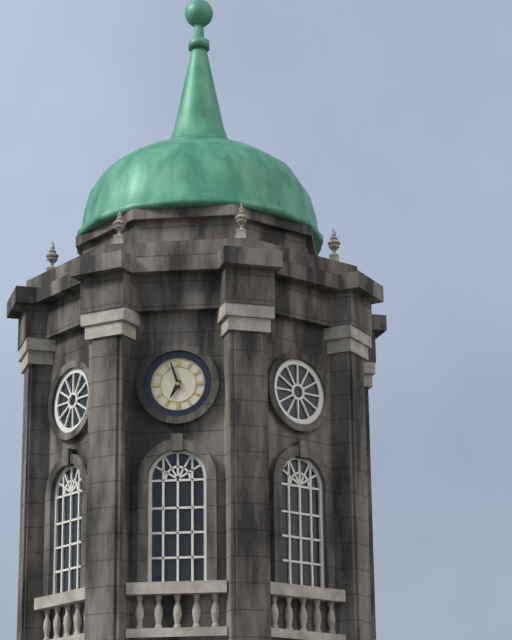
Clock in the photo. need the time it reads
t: 6:57
